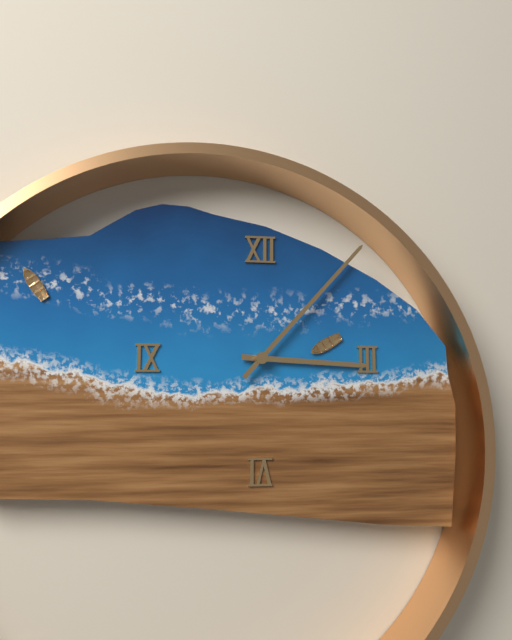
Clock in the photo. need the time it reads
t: 3:07
